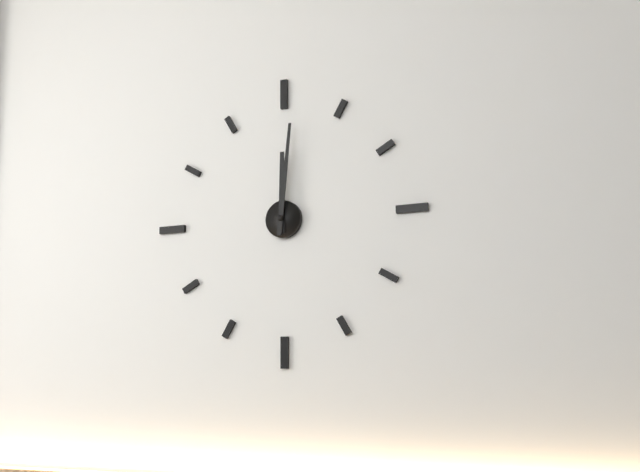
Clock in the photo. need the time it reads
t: 12:01
